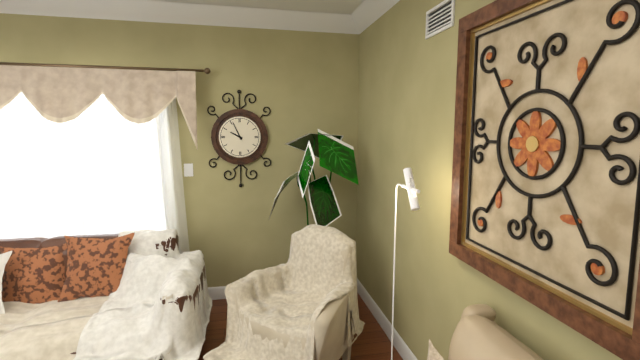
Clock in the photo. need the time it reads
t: 9:56
